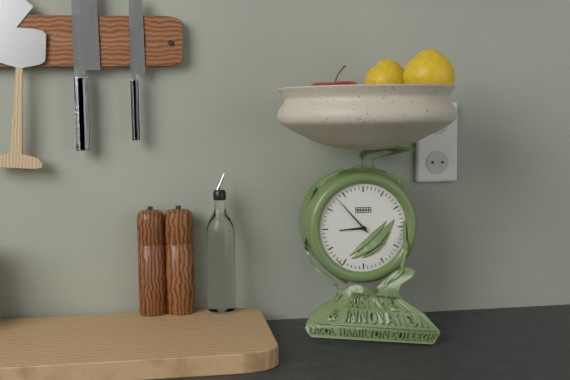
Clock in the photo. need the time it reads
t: 8:53
